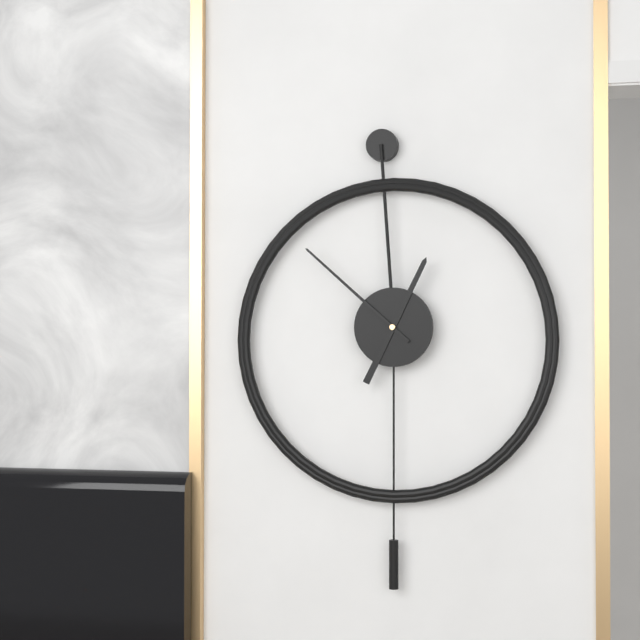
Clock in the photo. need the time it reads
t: 12:52
